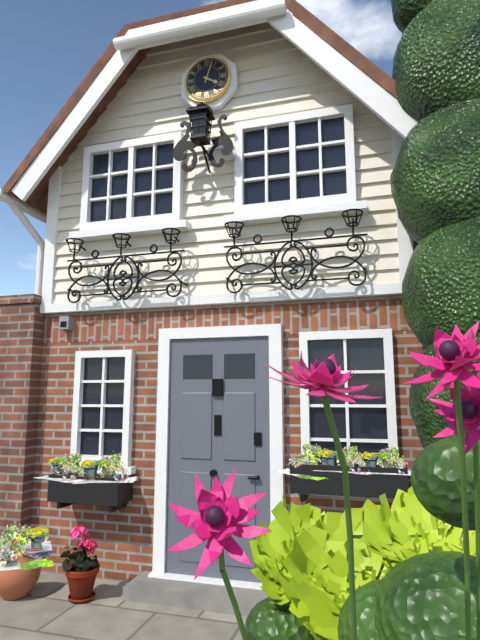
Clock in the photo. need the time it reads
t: 4:03
